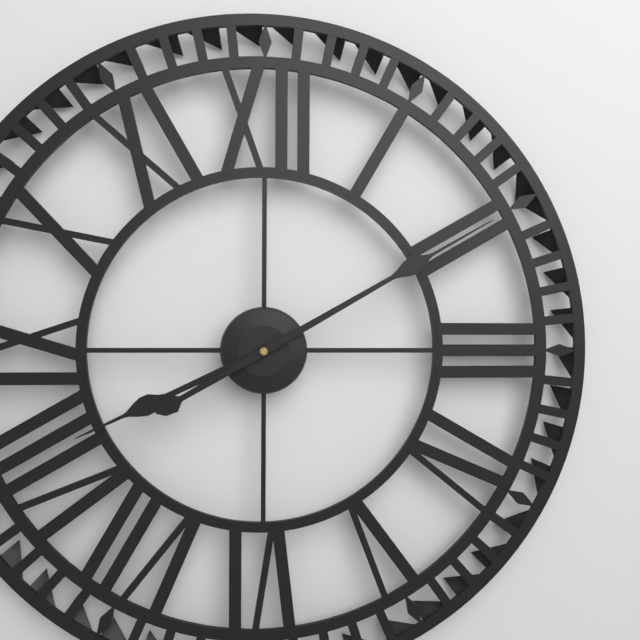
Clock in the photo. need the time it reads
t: 8:10
